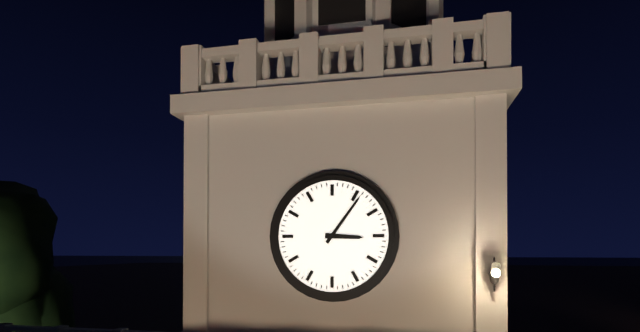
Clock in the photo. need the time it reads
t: 3:06
